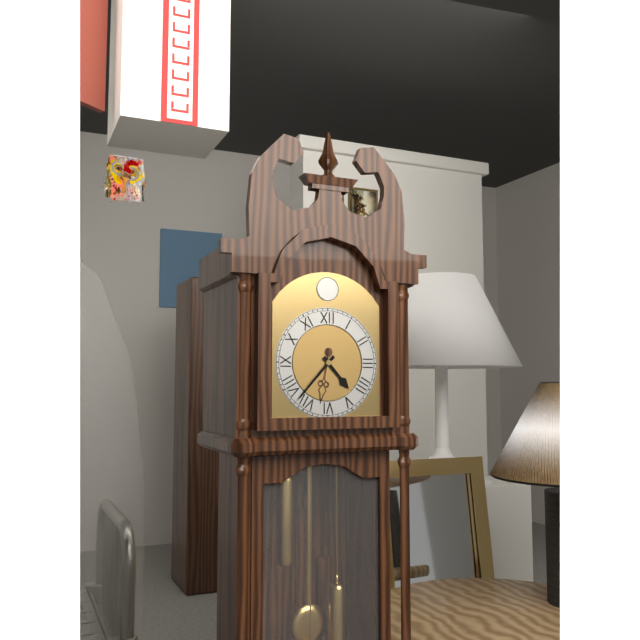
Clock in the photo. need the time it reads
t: 4:37
